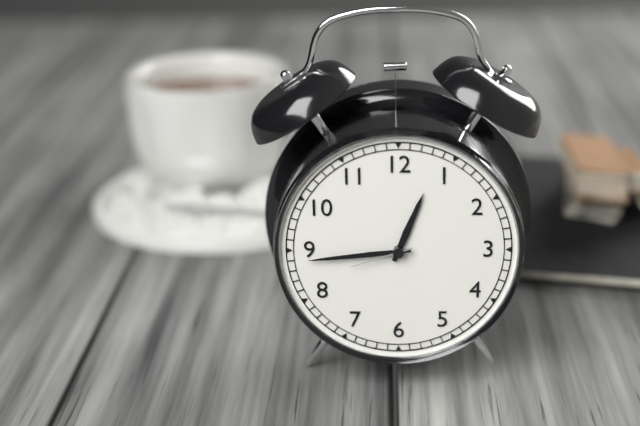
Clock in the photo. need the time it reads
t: 12:44:42
